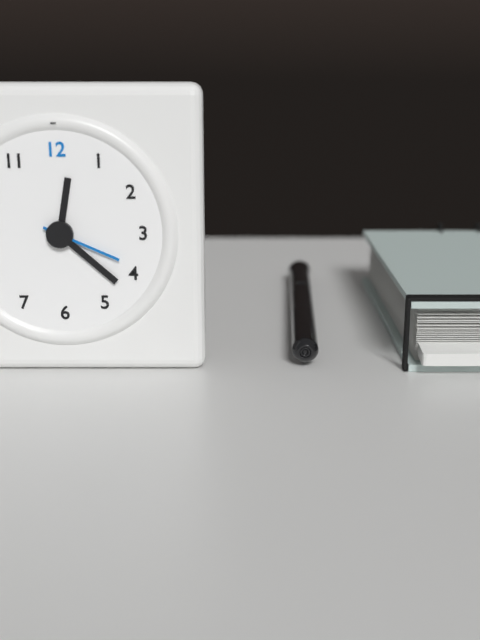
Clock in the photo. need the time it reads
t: 12:22:19
